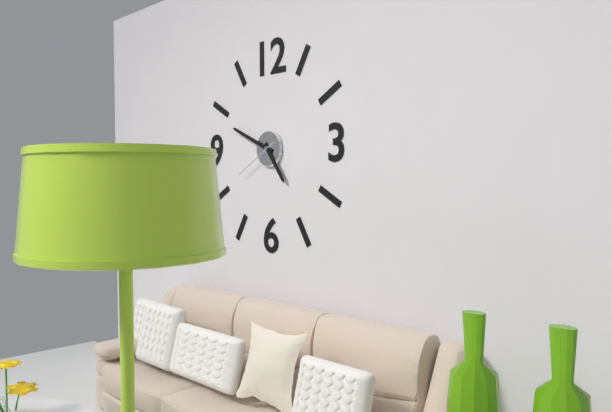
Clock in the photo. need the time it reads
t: 4:49
